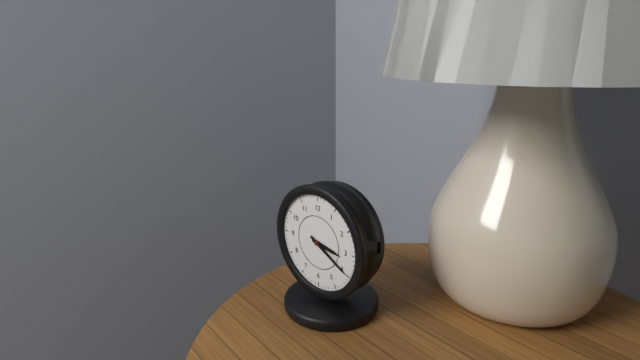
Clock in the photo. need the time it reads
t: 3:20
